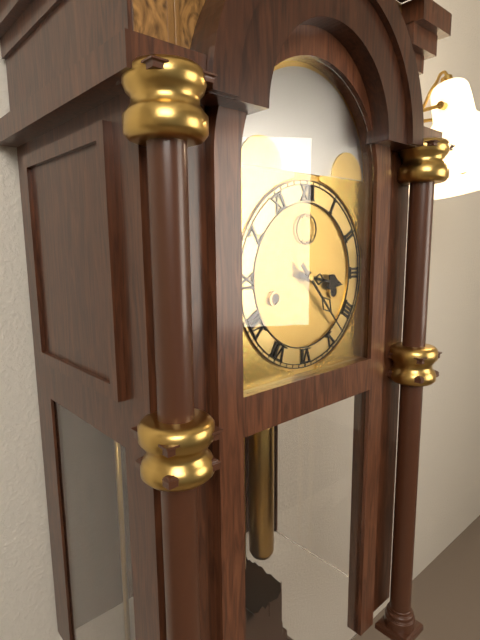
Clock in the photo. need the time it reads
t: 3:23
